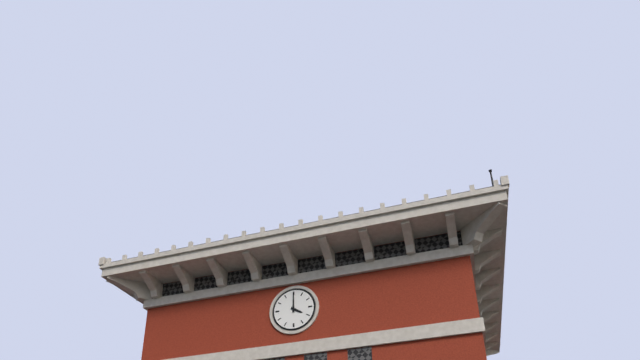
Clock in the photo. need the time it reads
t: 4:00
